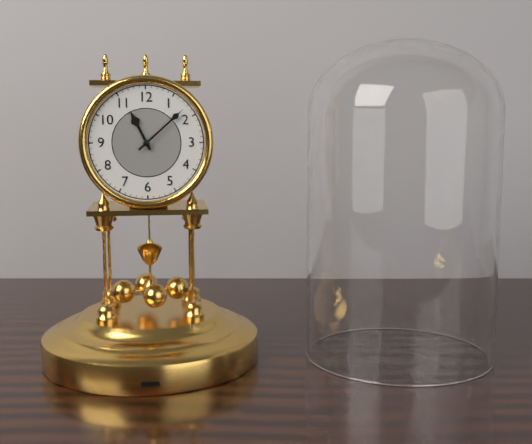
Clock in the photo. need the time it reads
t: 11:08
